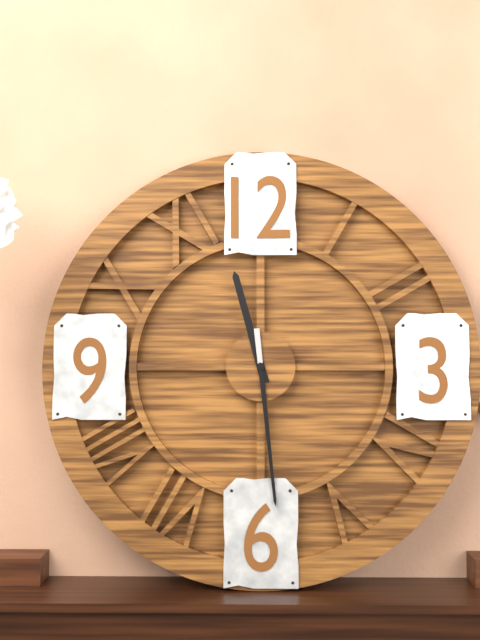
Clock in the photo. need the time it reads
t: 11:29
